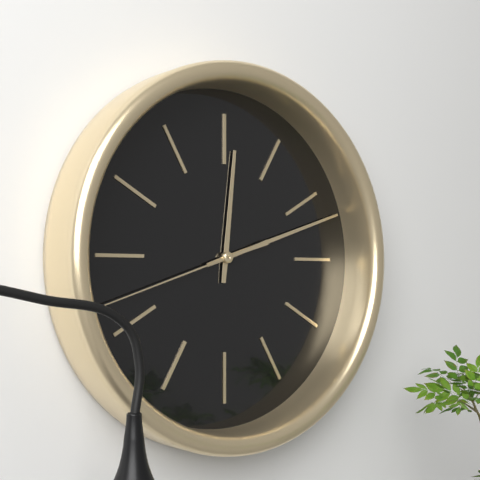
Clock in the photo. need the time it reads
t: 12:12:42
